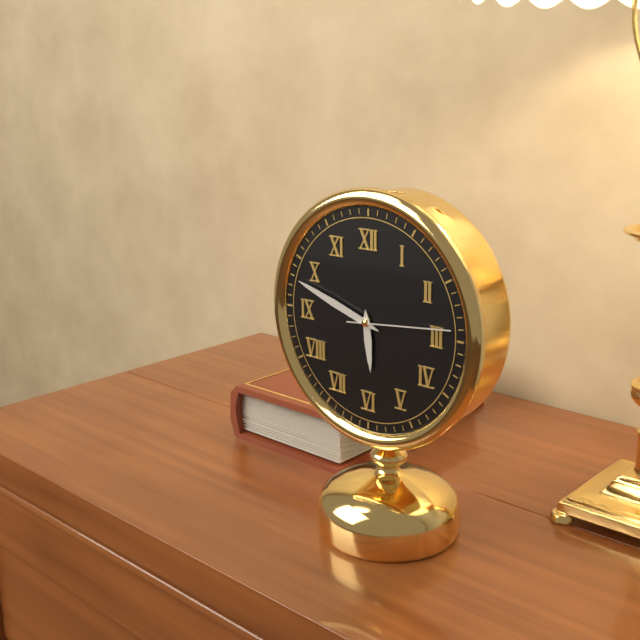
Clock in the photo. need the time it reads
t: 5:48:14
